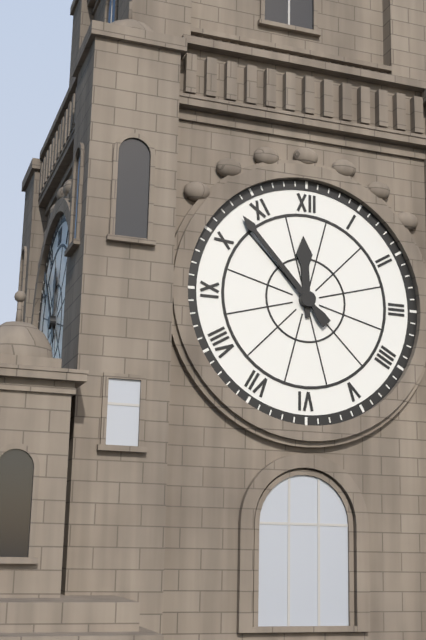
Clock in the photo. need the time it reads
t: 11:53
